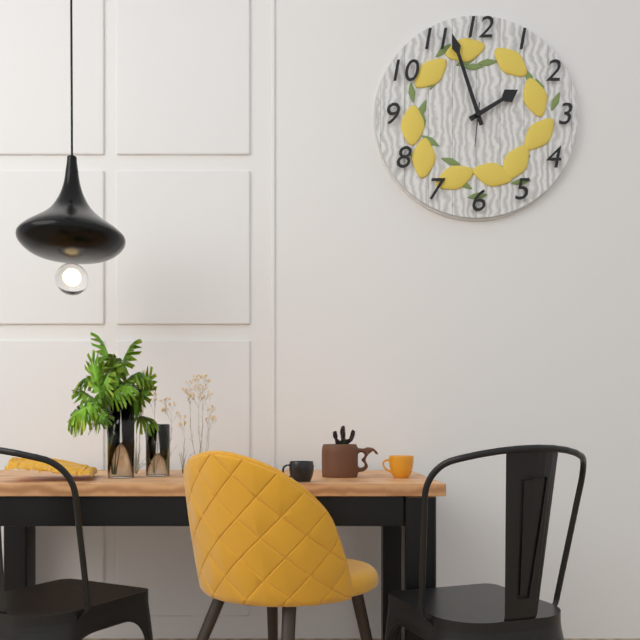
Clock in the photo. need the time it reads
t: 1:57
